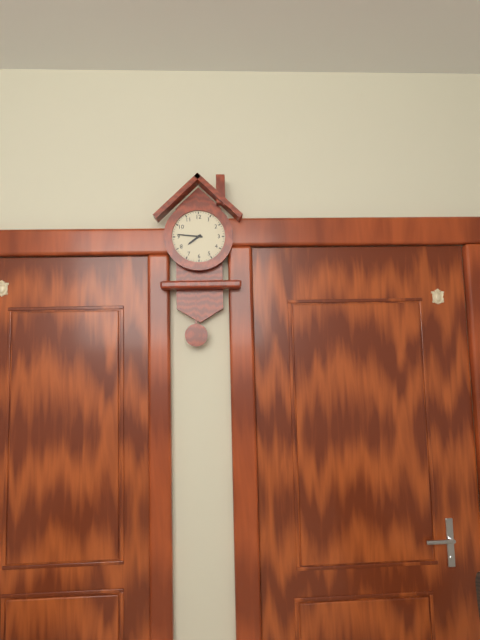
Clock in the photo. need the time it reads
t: 7:46
